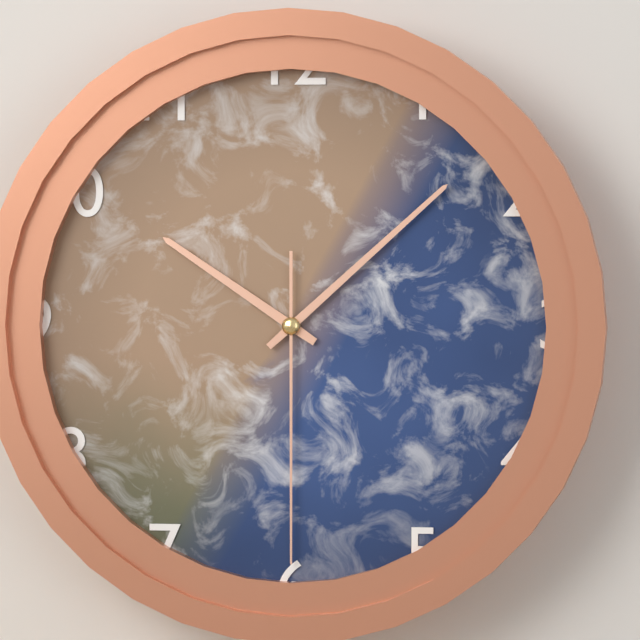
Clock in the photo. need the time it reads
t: 10:08:30
